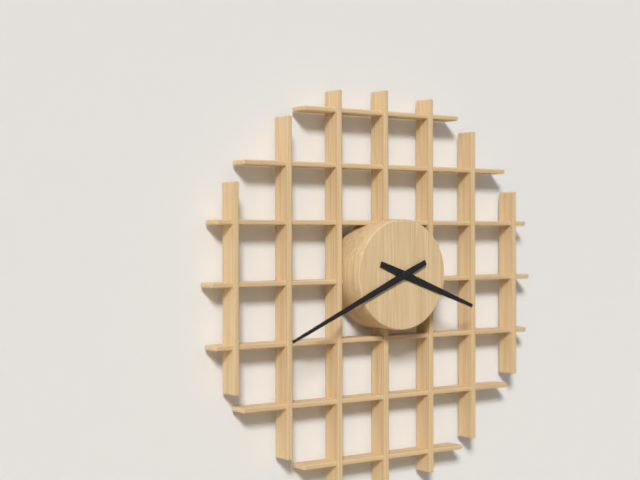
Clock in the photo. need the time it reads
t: 3:41
